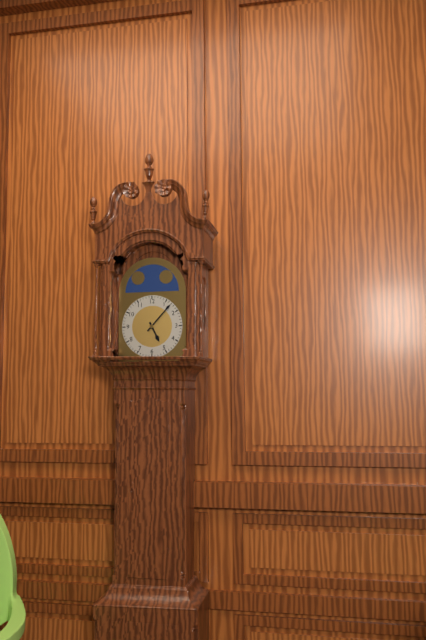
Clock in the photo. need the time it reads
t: 5:07
